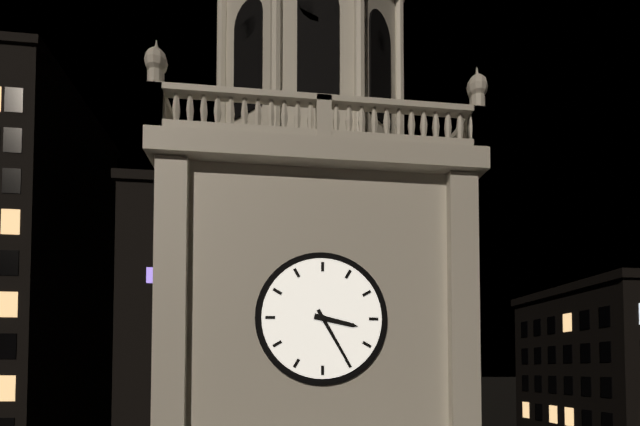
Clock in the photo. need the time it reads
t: 3:25
